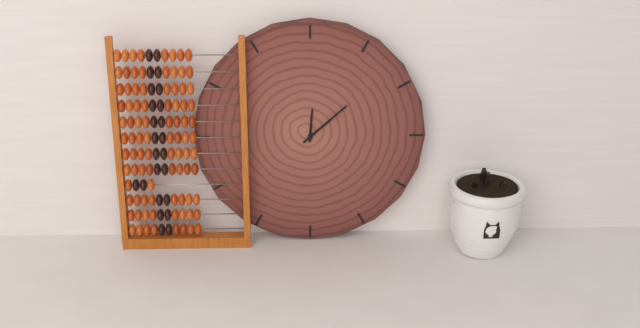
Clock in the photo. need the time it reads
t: 12:08
